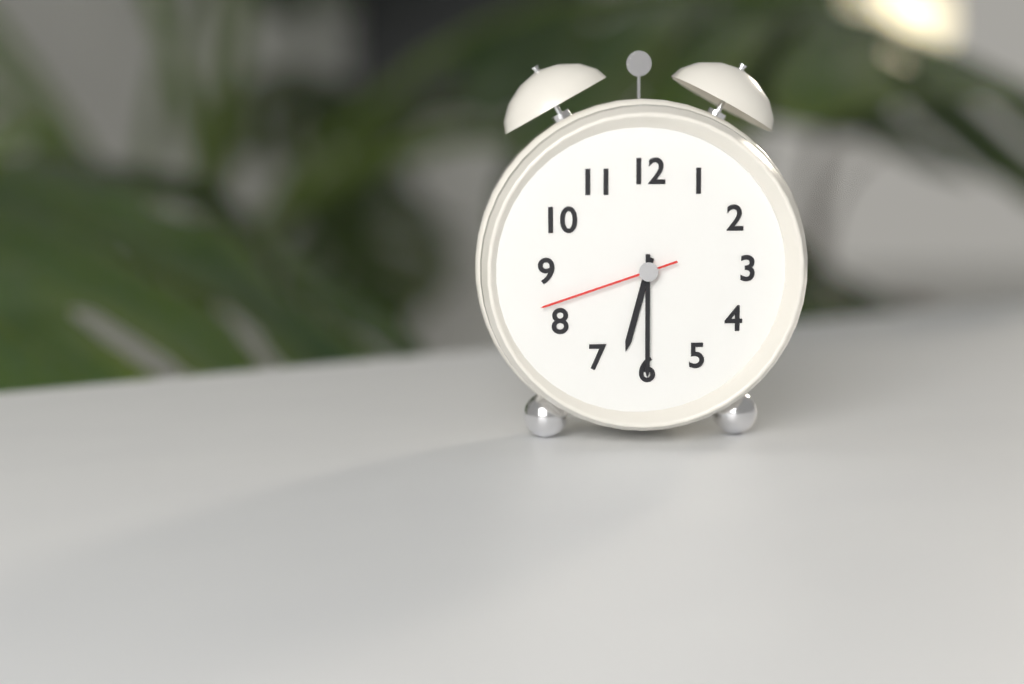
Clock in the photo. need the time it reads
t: 6:30:42
